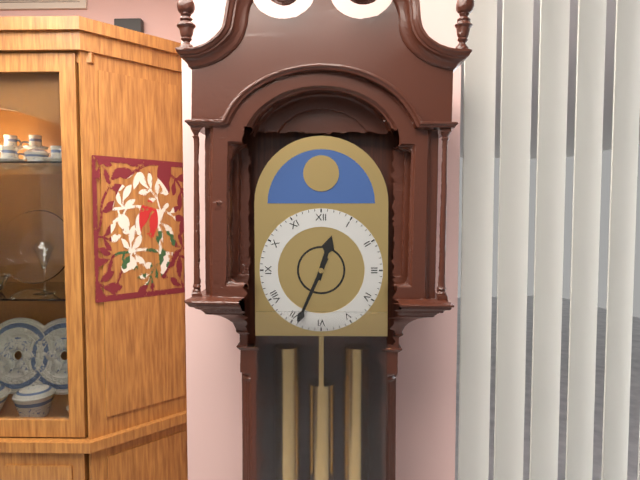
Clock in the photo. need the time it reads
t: 12:34
